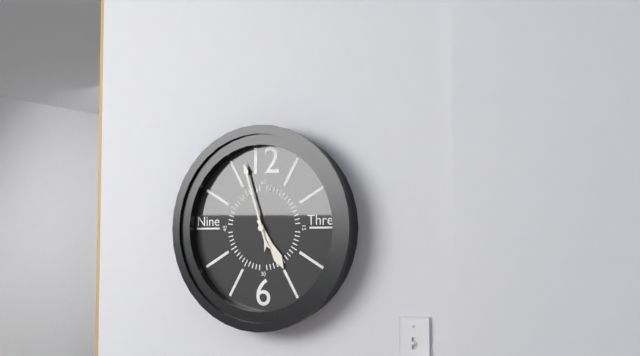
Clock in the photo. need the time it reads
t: 4:57
